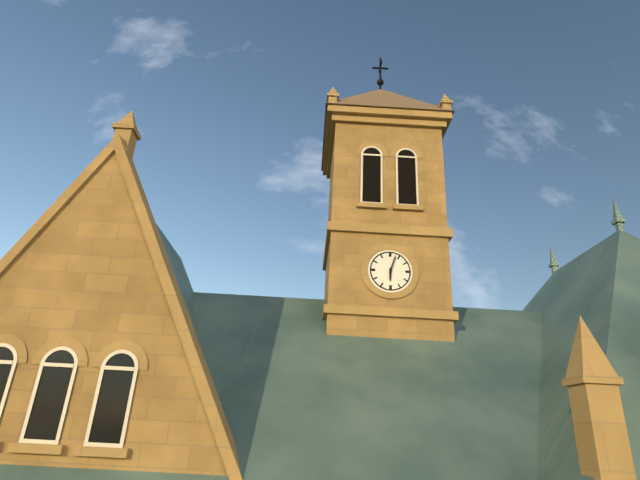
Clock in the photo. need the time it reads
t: 6:03
